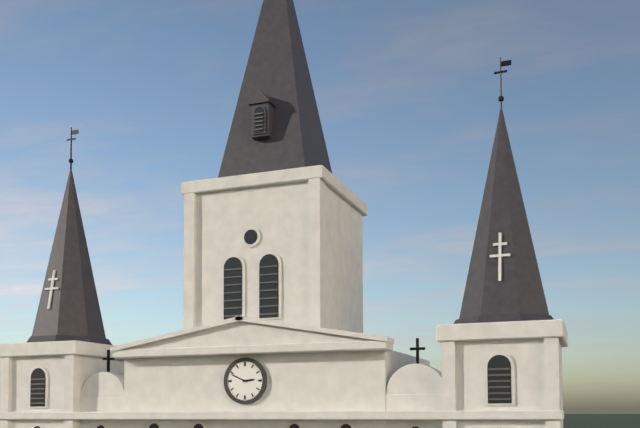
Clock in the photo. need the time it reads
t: 2:49
